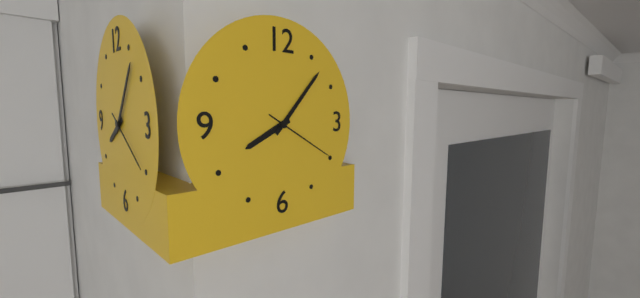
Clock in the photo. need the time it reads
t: 8:07:20
